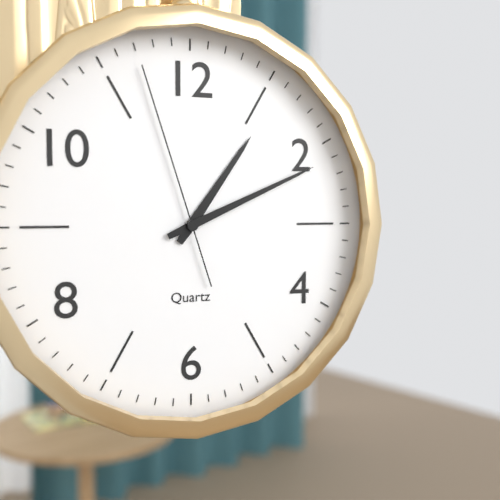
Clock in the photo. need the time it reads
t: 1:11:57
